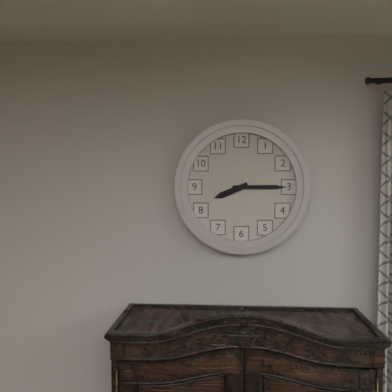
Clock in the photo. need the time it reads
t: 8:15
